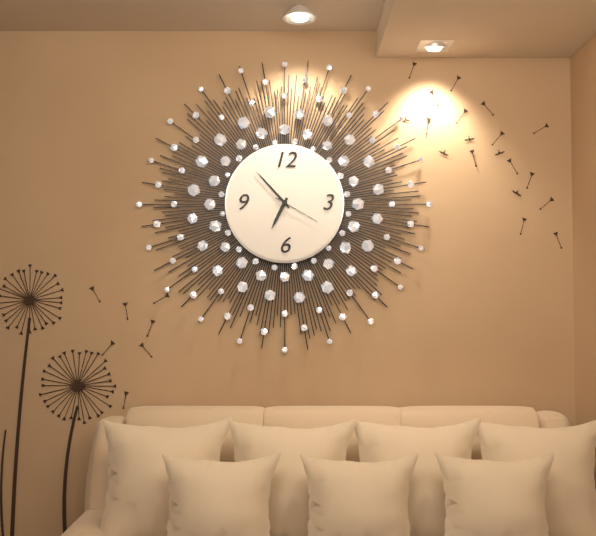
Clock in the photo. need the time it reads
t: 6:53
